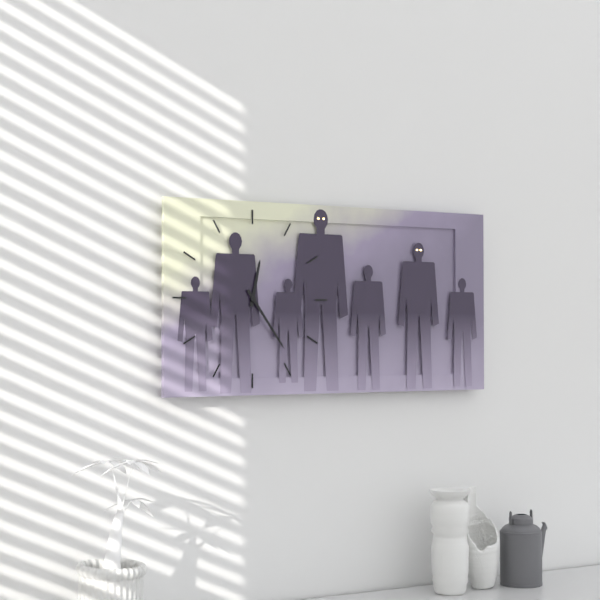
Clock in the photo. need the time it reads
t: 12:24
